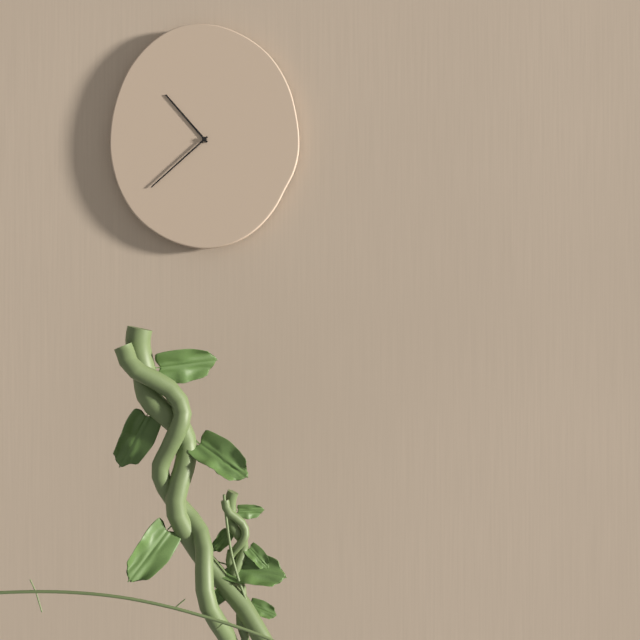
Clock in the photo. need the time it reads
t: 10:38
